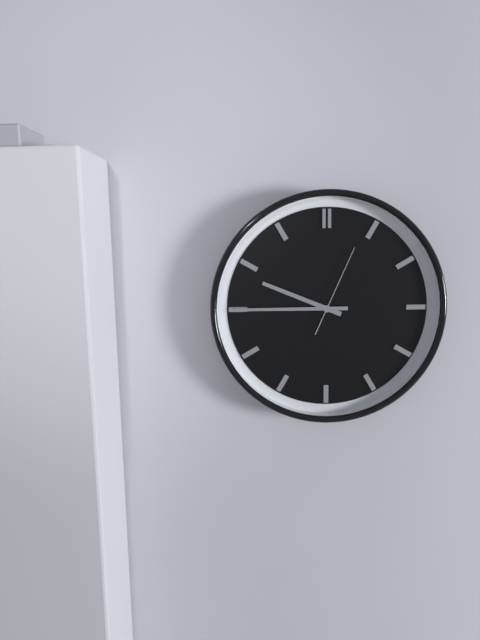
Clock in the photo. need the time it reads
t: 9:45:04
